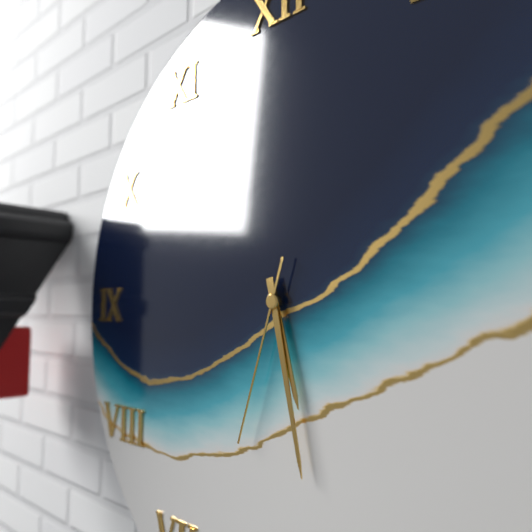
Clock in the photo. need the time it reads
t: 5:28:33
